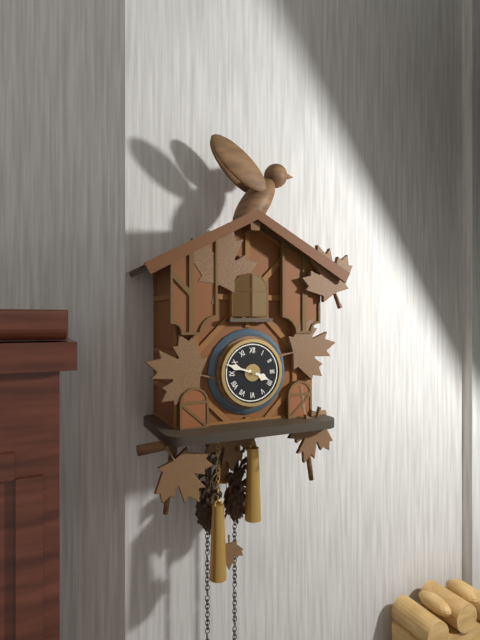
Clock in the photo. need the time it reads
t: 3:48
